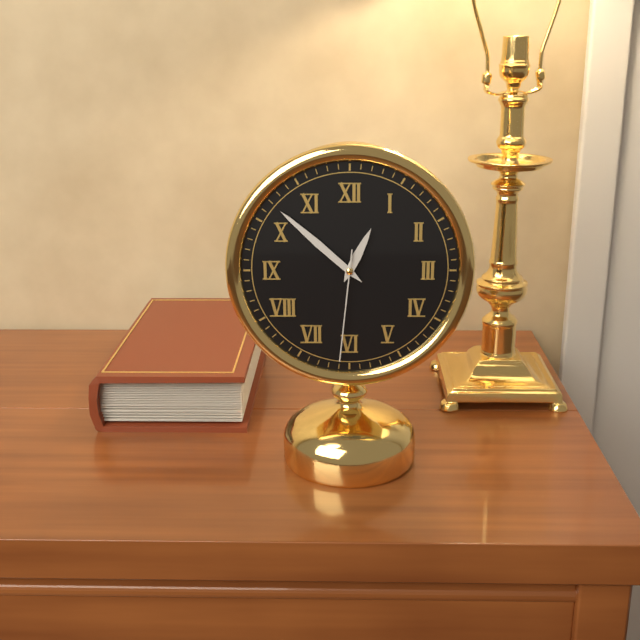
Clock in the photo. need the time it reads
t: 12:52:31
